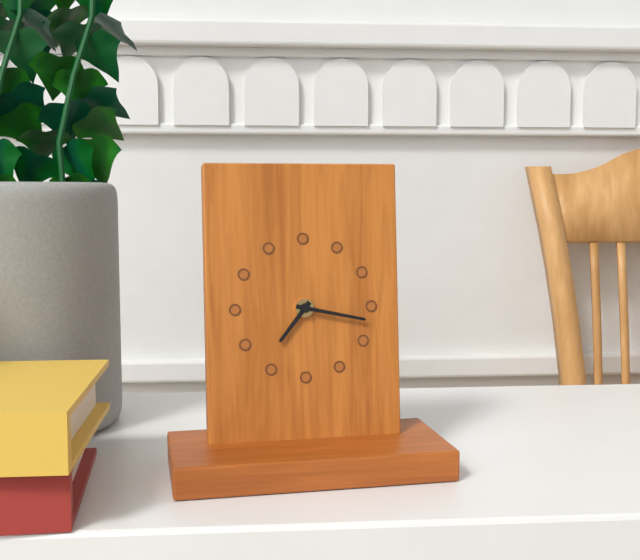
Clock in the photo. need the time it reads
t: 7:17
